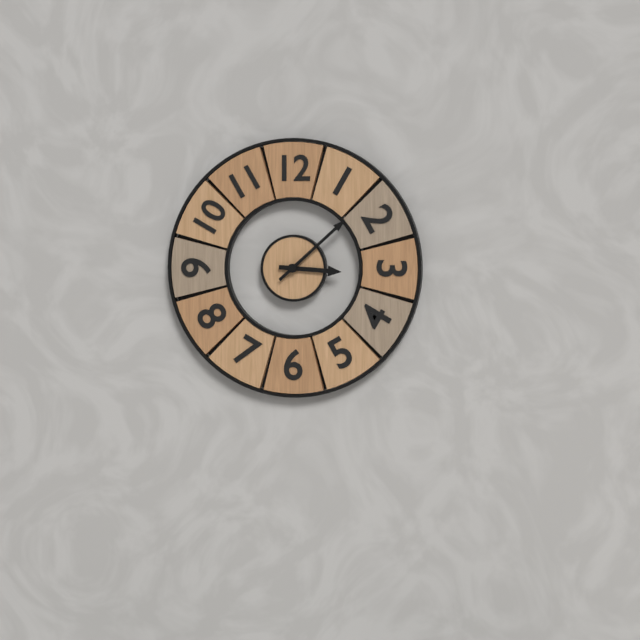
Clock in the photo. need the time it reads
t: 3:08
